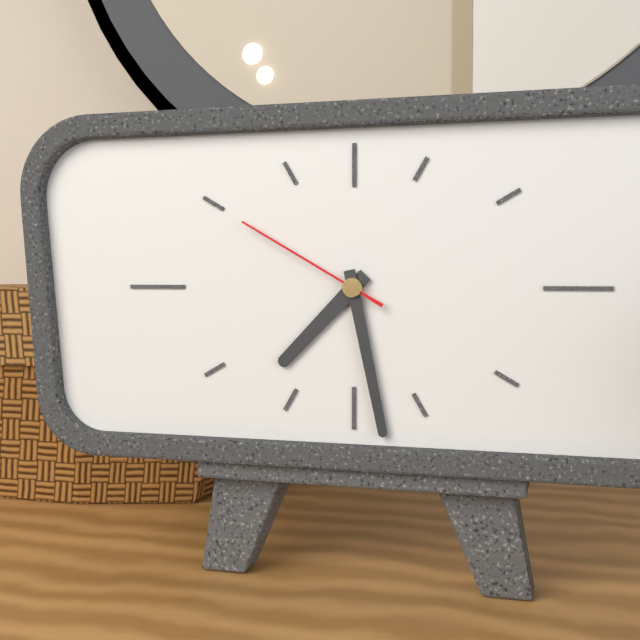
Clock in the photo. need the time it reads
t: 7:28:50
